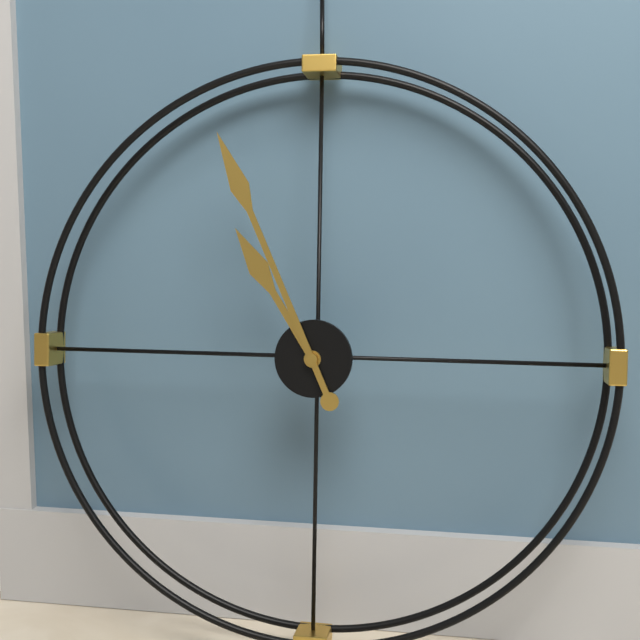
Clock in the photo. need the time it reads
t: 10:56
